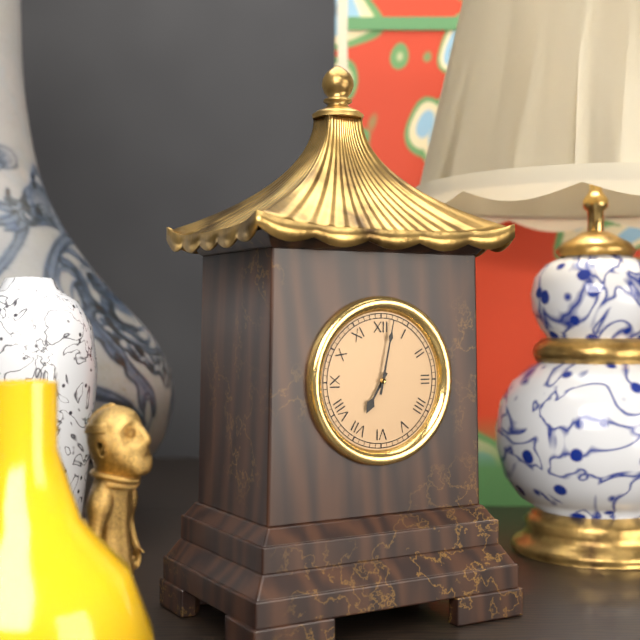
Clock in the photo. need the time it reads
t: 7:02
